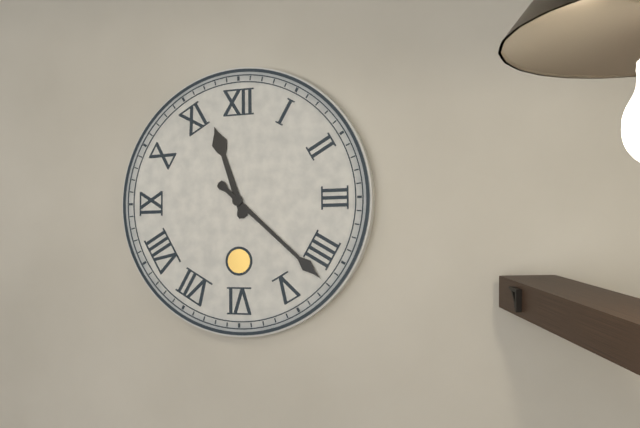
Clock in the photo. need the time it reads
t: 11:22
